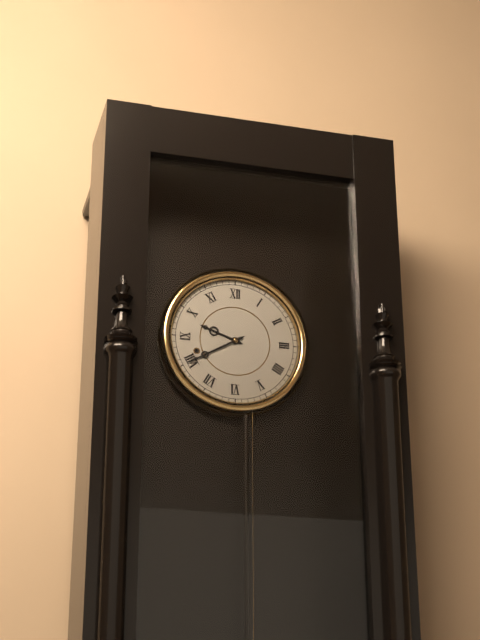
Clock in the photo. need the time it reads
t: 9:40
